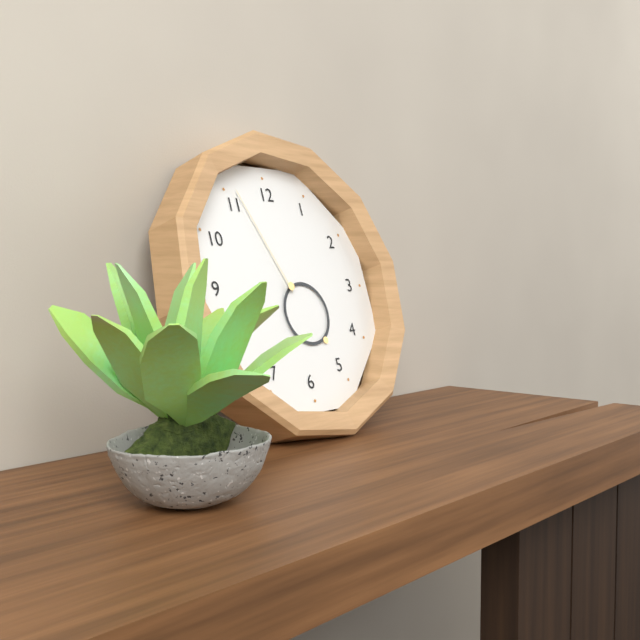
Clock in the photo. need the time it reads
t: 4:56
